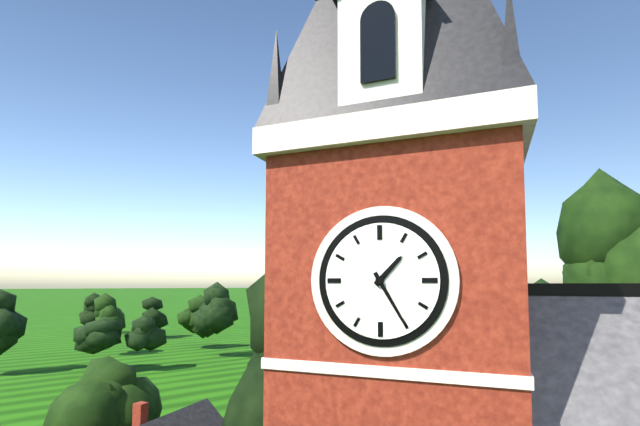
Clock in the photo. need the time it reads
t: 1:25
